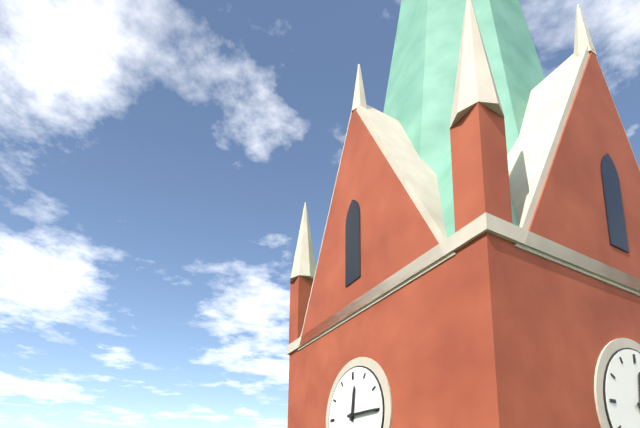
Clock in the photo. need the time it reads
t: 12:15
